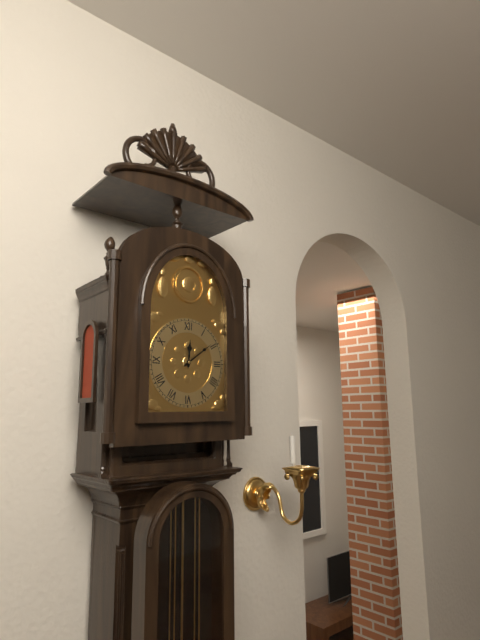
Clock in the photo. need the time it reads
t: 12:09
